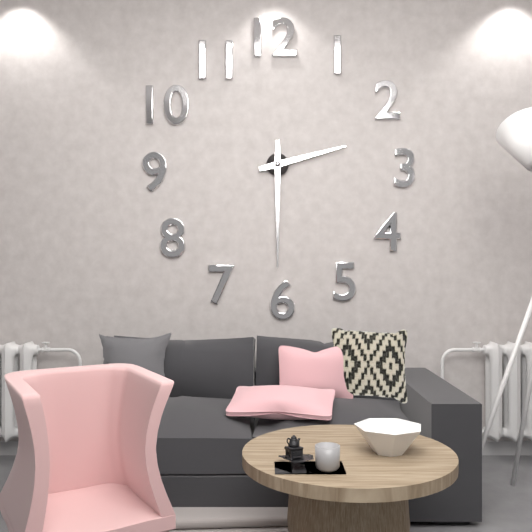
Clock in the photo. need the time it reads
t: 2:30
